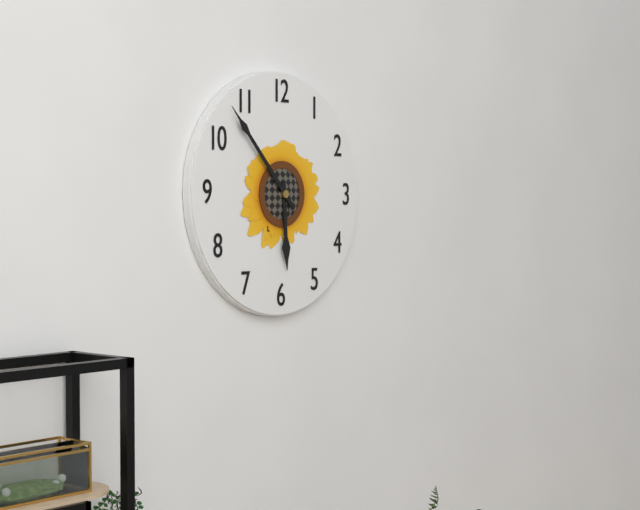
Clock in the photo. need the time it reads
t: 5:53
